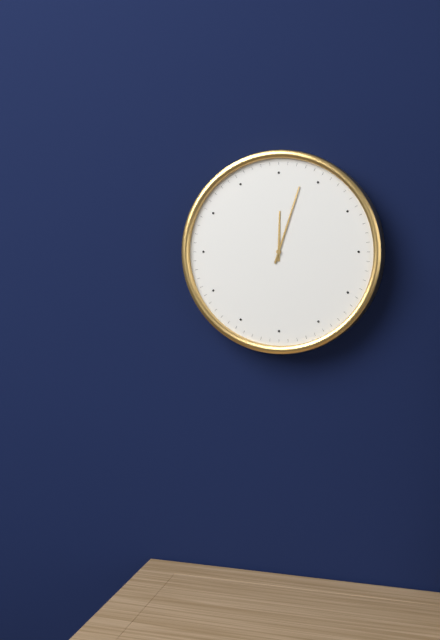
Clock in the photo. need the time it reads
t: 12:03
